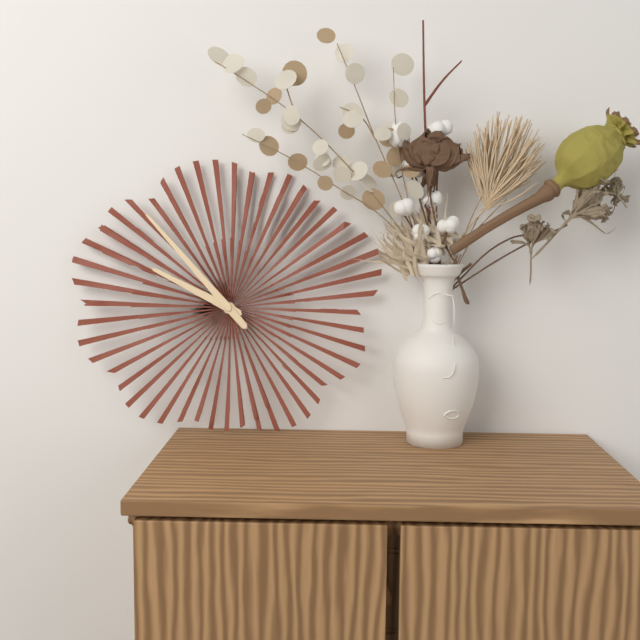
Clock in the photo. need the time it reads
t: 9:53
